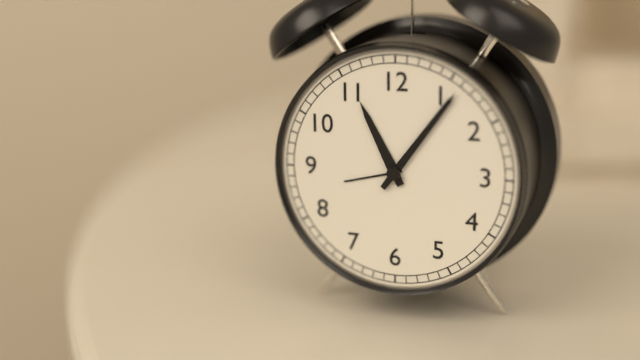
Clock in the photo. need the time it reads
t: 11:06
